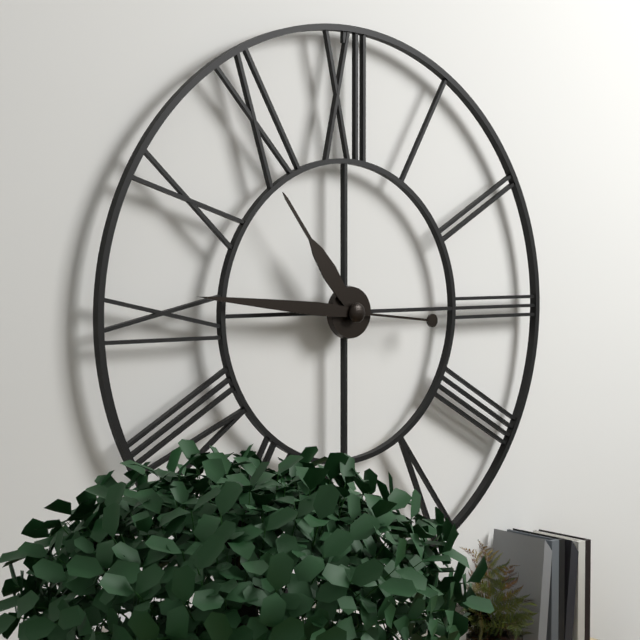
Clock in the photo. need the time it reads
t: 10:46
